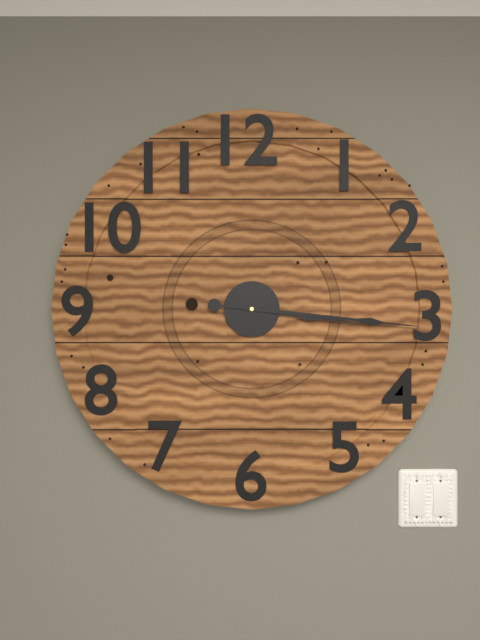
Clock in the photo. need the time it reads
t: 3:16
